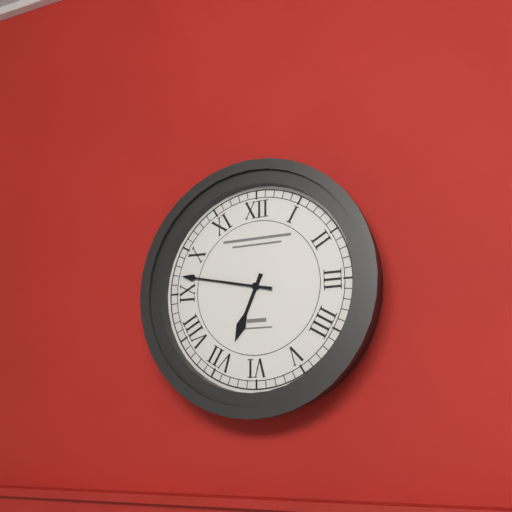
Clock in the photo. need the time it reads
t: 6:47
